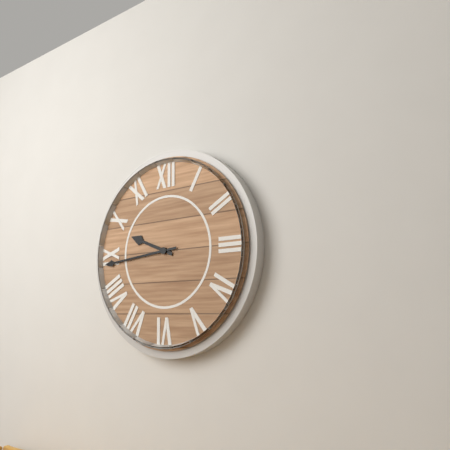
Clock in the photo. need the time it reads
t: 9:44
